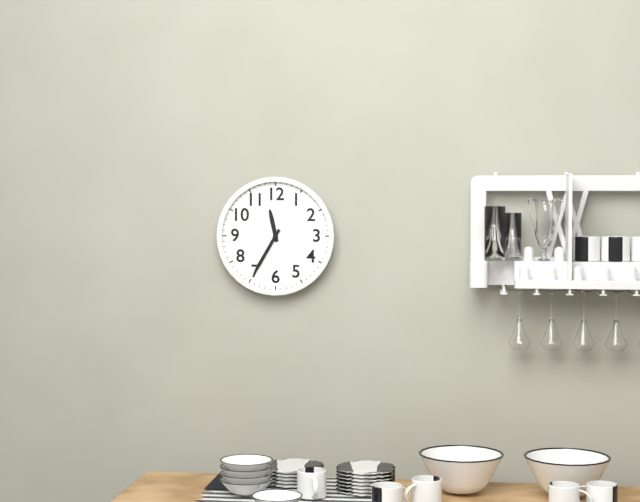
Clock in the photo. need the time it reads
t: 11:35
